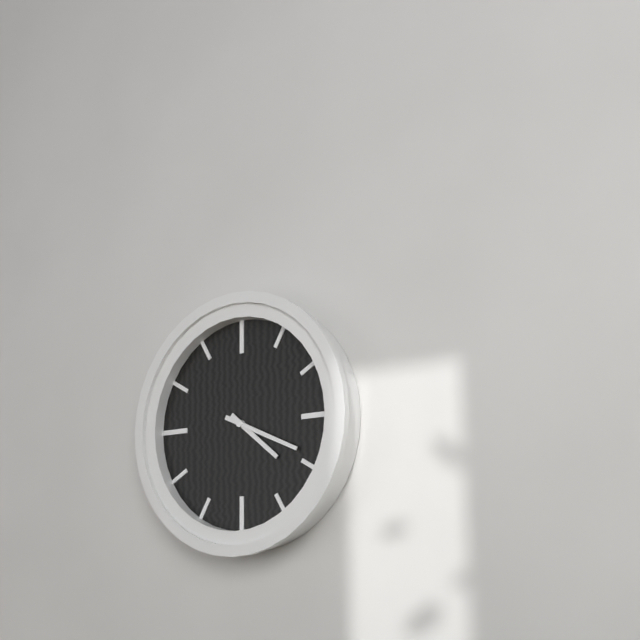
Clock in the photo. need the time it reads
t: 4:19
